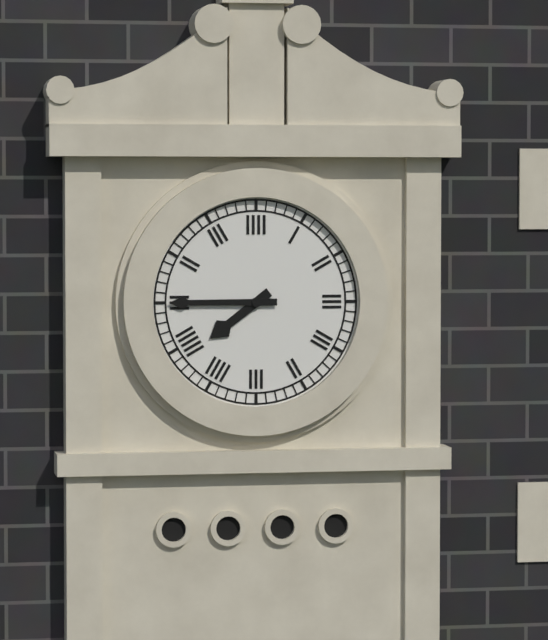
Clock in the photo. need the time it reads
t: 7:45
